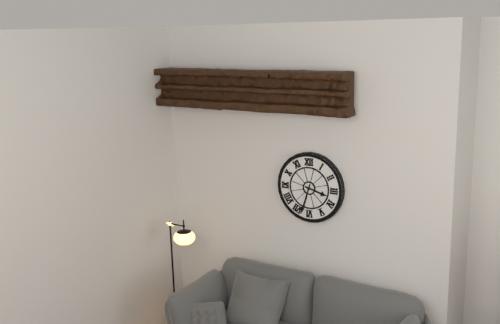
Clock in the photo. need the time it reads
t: 3:33
